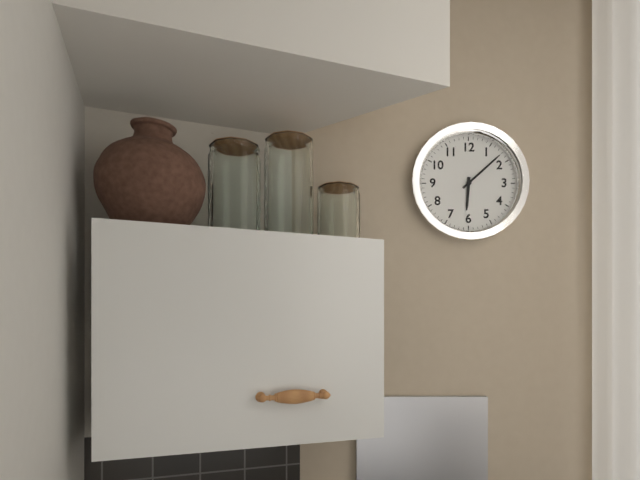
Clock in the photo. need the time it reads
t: 6:08
